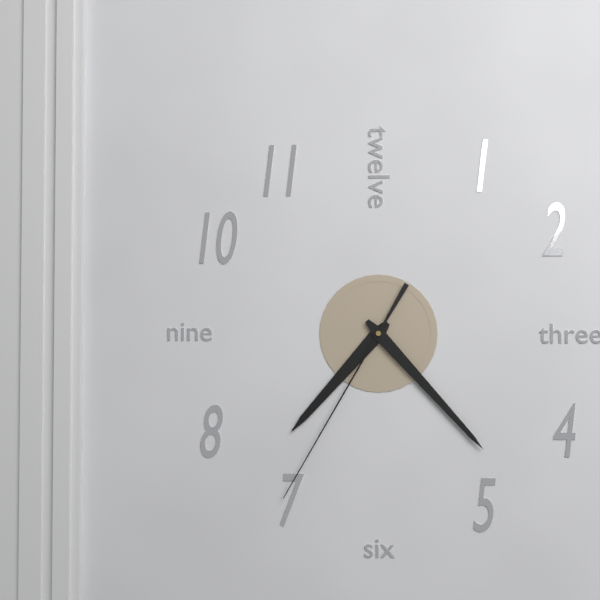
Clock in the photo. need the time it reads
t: 7:23:35
